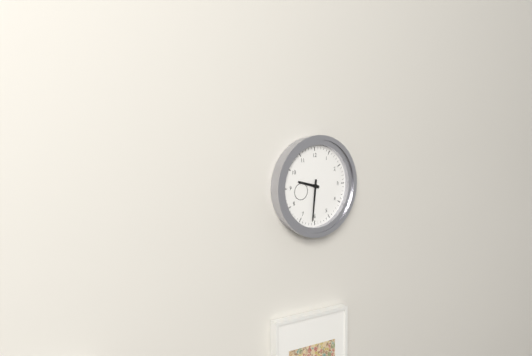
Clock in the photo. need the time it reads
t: 9:31
